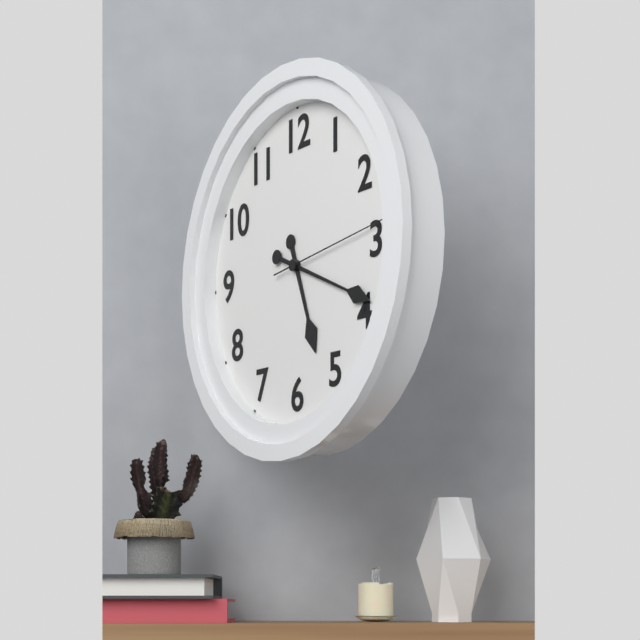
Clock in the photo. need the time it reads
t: 5:19:14
